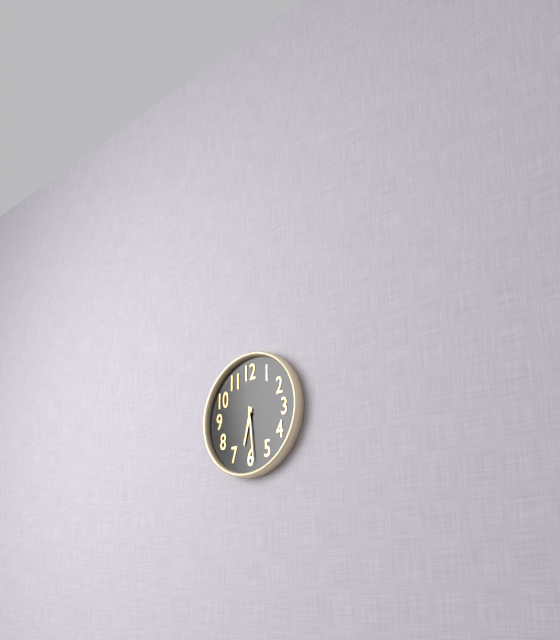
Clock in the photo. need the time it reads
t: 6:29
